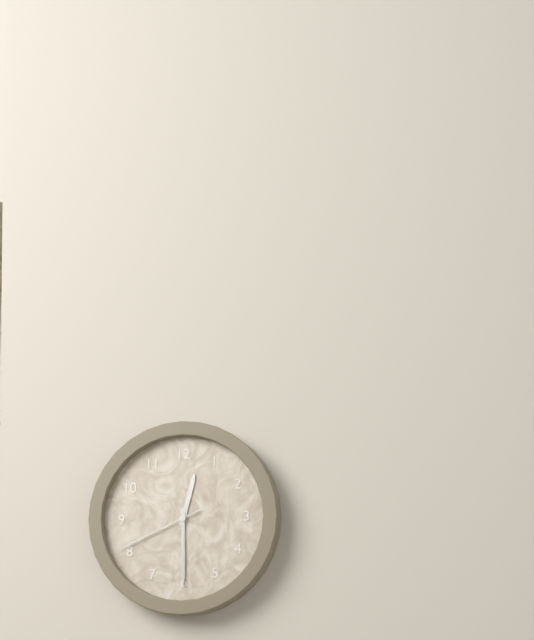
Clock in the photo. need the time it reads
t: 12:30:41
